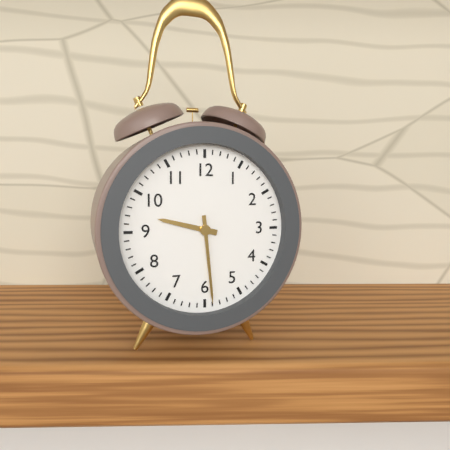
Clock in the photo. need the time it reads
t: 9:29
